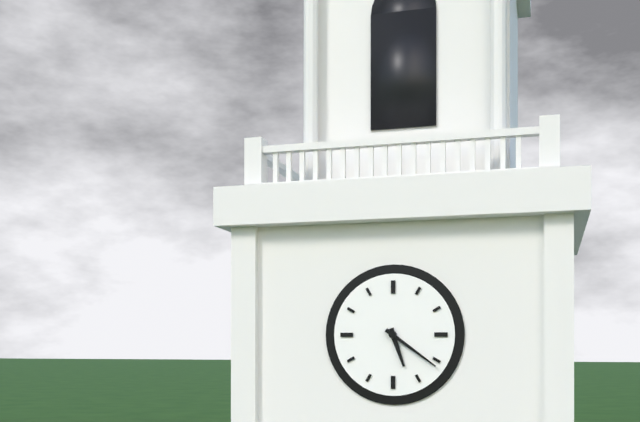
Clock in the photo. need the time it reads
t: 5:21
